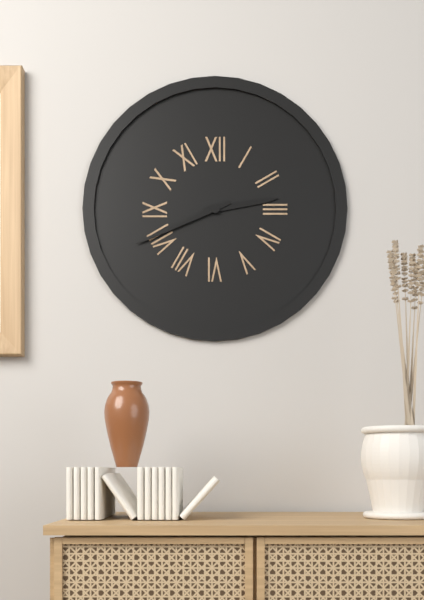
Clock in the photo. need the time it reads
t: 2:41
